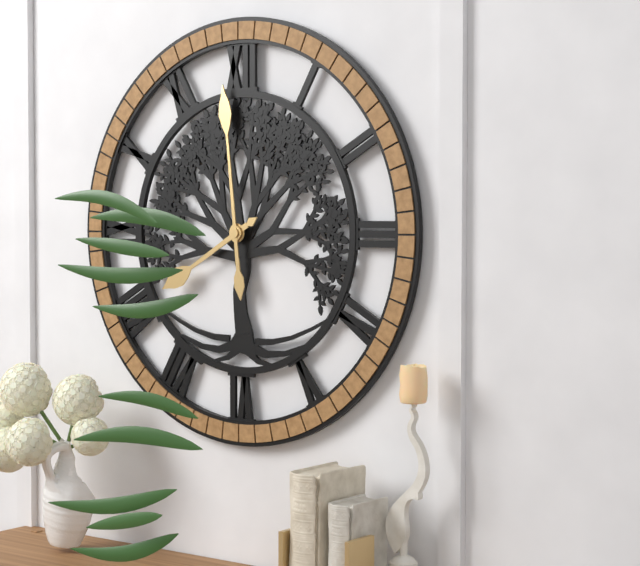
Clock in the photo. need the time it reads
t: 7:59
